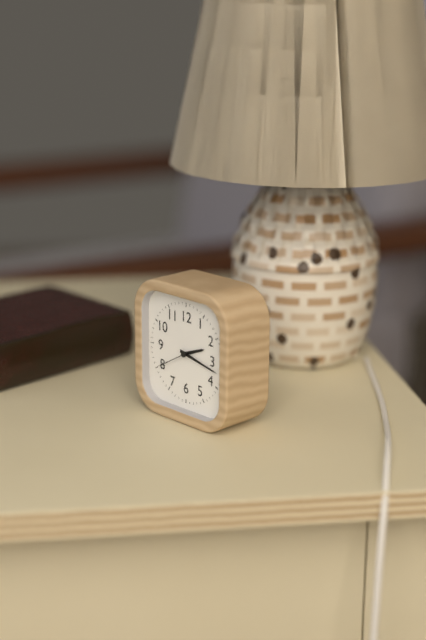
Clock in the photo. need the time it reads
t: 2:17
